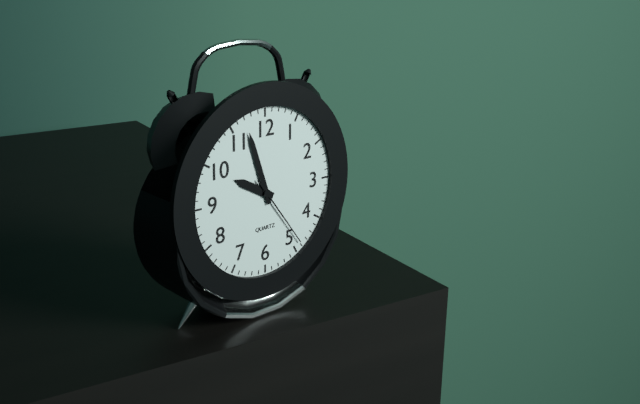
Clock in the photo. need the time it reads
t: 9:57:24
